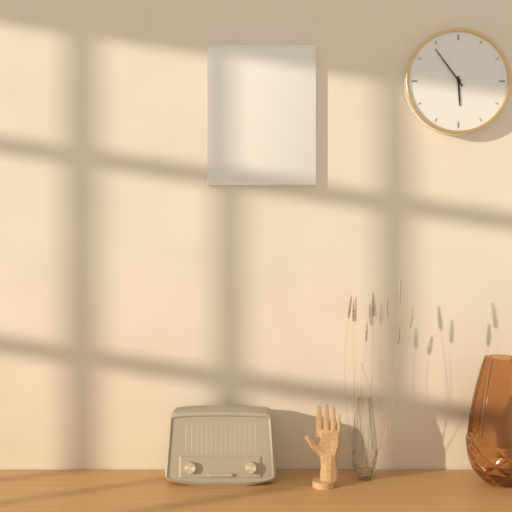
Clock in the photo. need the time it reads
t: 5:54
